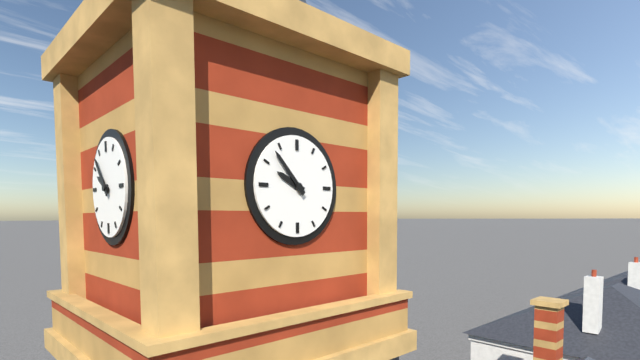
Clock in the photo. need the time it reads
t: 9:53
